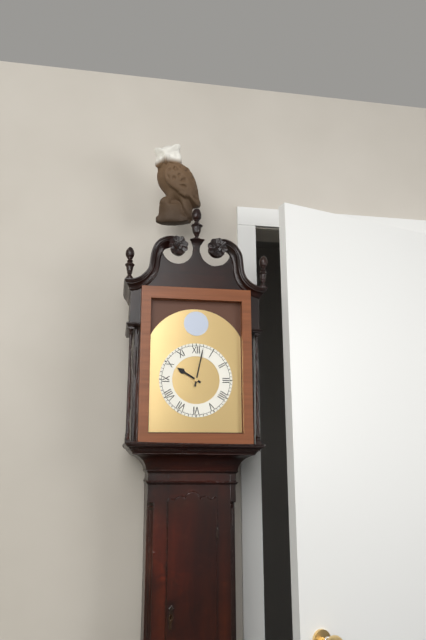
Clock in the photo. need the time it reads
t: 10:02
